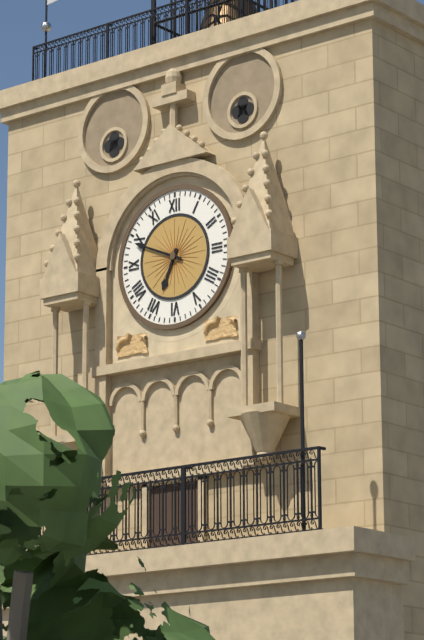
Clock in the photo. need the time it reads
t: 6:49
